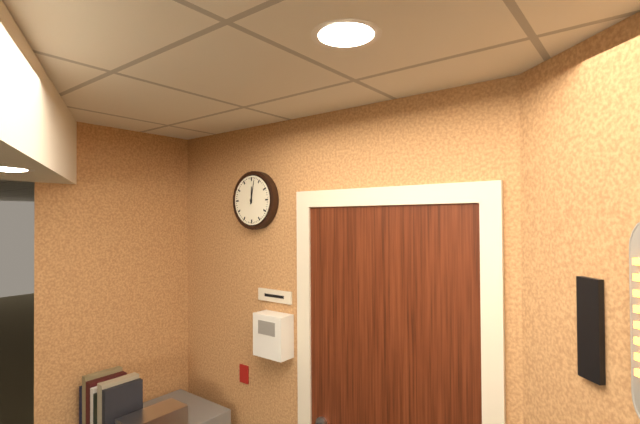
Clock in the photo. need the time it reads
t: 12:02
